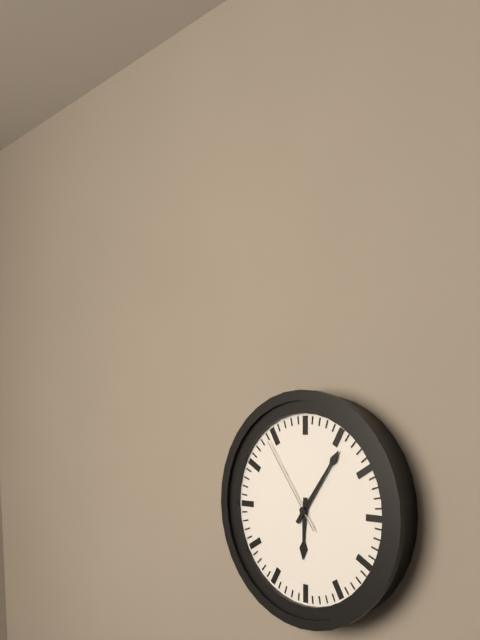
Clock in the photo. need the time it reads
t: 6:06:54
